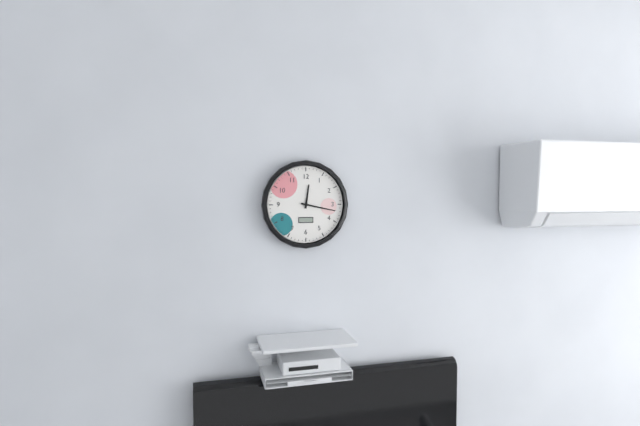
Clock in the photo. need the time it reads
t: 12:17
